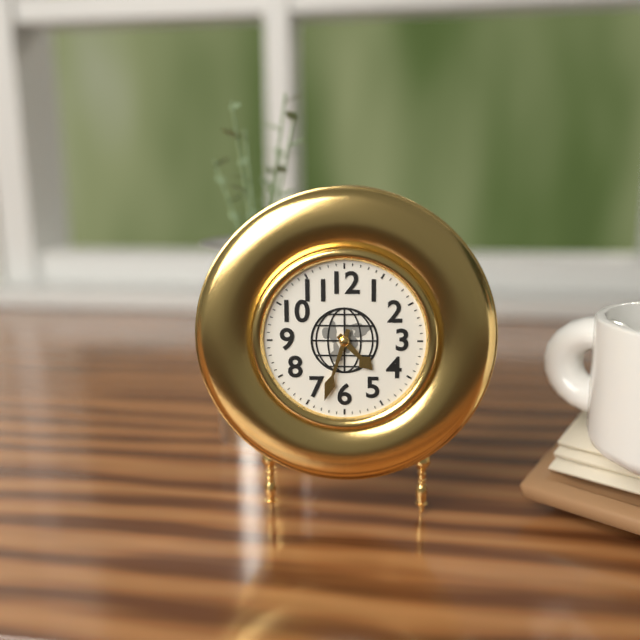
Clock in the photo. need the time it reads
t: 4:33
